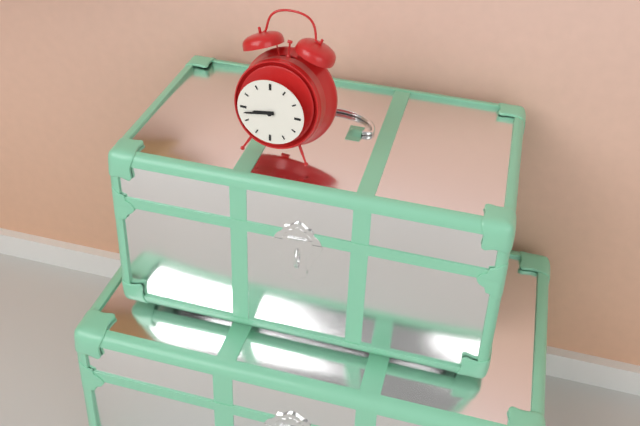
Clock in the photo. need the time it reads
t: 8:43
